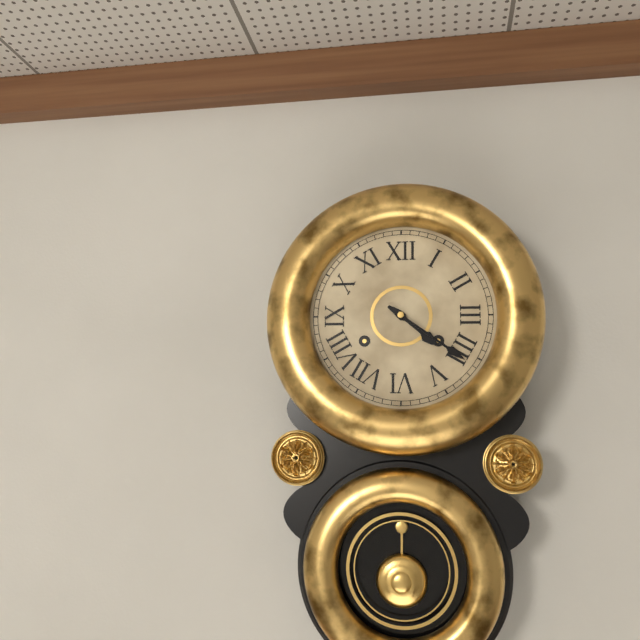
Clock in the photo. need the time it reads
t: 4:21
